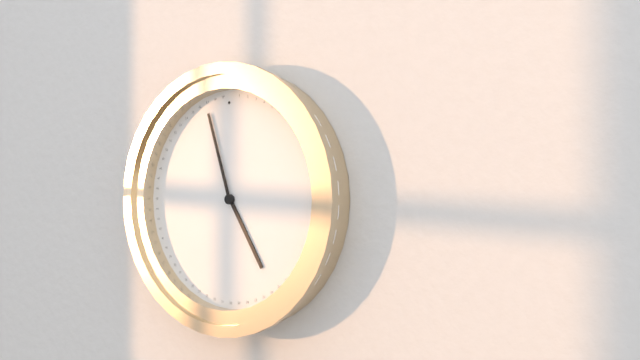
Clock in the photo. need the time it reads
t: 4:57
